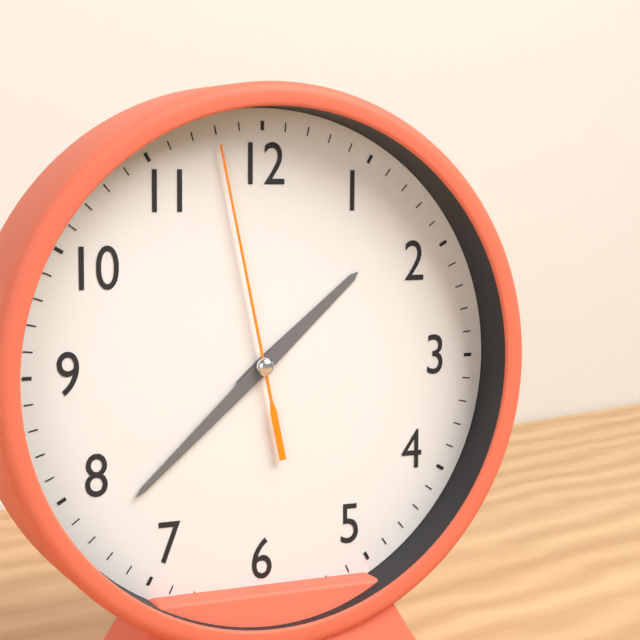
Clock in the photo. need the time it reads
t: 1:38:58
